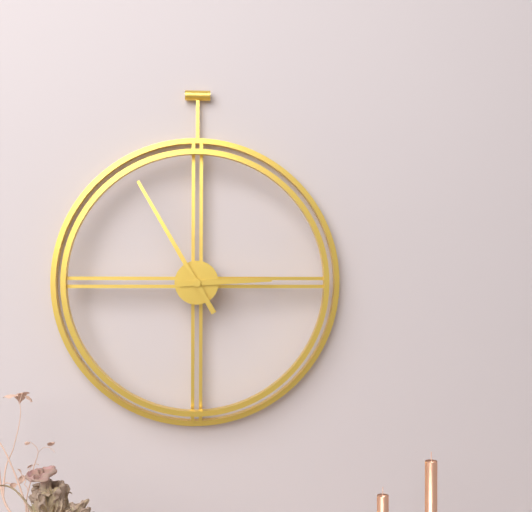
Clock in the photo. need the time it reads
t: 2:55
